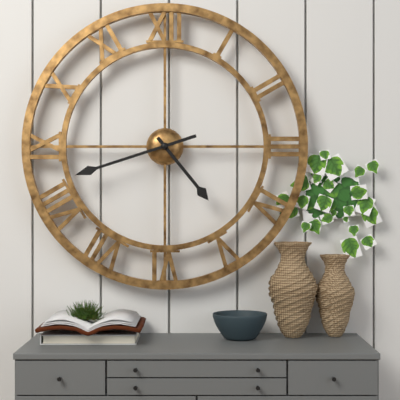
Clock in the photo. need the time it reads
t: 4:42
